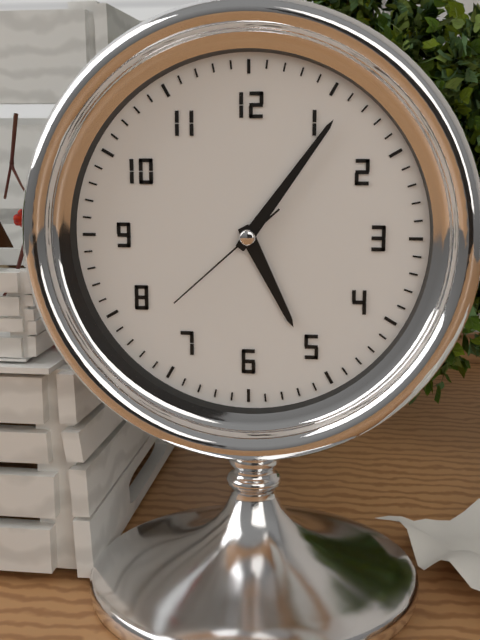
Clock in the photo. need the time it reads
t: 5:06:38
